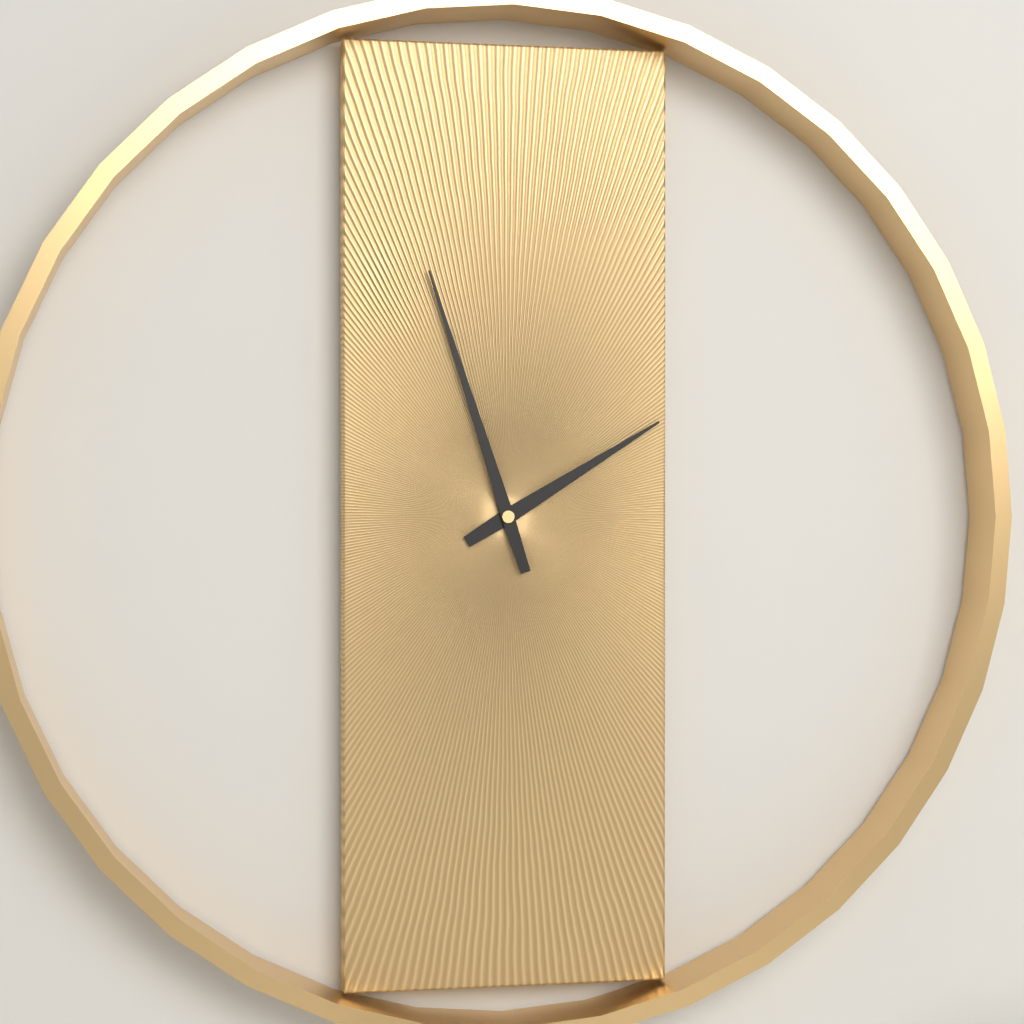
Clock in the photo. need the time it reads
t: 1:57
